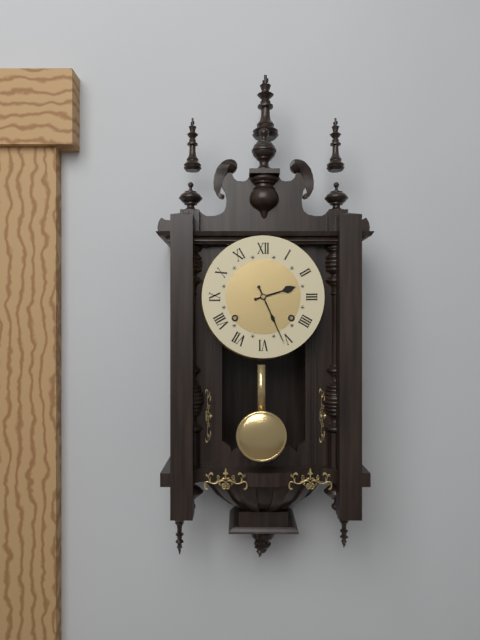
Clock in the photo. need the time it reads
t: 2:26
